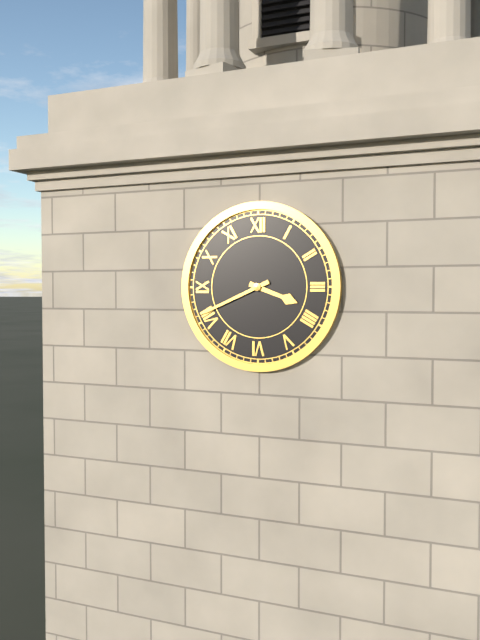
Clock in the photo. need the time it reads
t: 3:41
